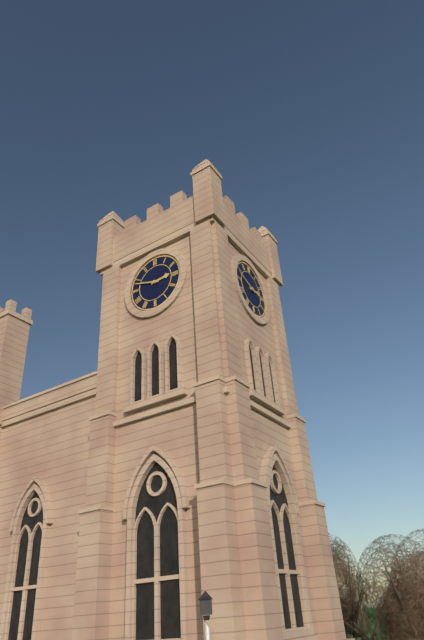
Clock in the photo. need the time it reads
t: 2:48
